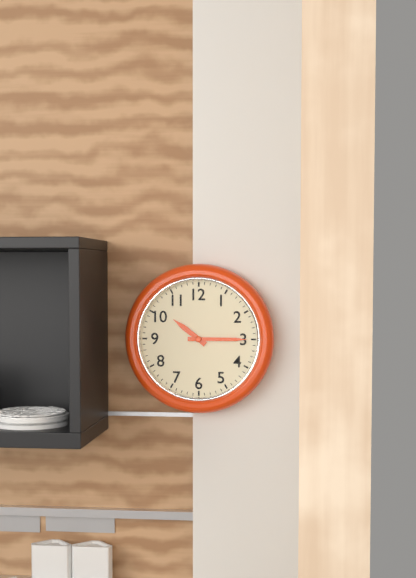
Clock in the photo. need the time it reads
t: 10:15
